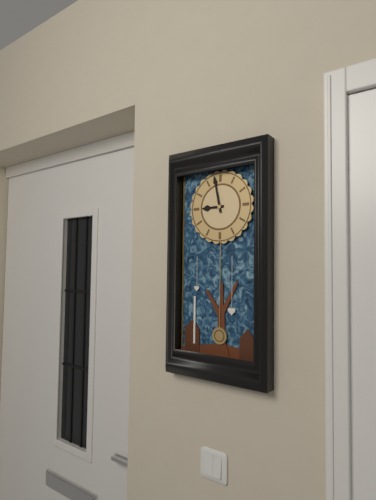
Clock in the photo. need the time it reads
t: 8:58
